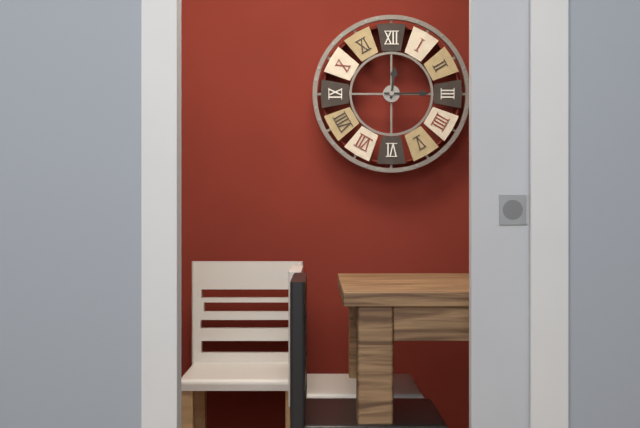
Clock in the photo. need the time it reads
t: 12:15
